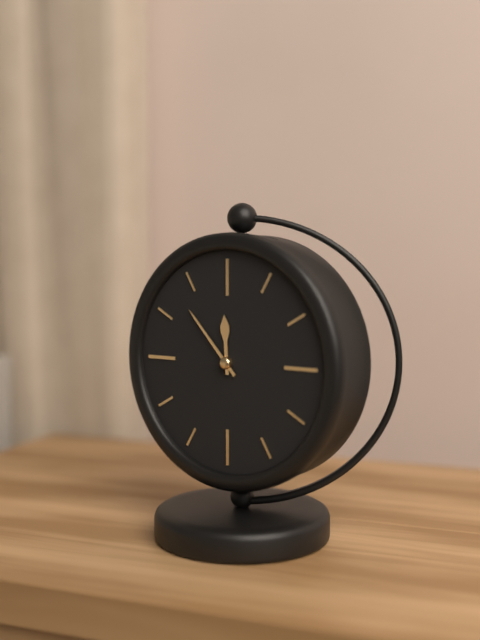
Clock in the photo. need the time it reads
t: 11:53
